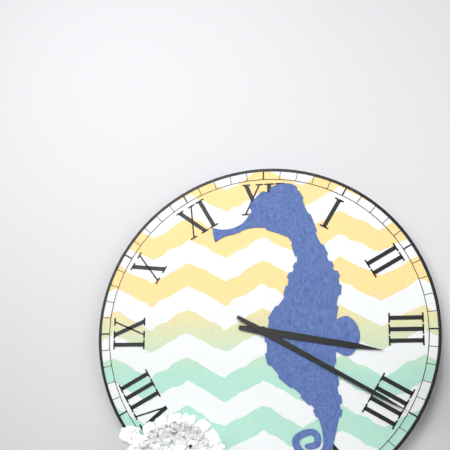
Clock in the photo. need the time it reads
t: 3:20
